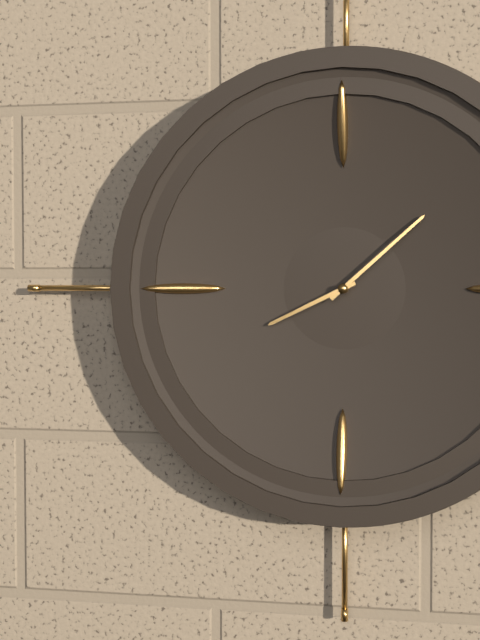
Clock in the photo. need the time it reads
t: 8:08
